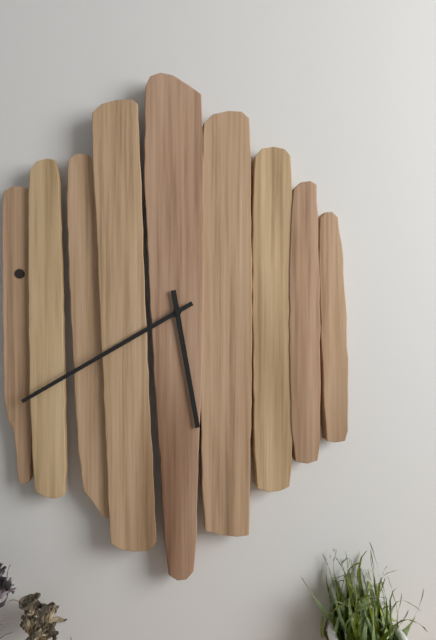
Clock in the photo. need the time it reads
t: 5:40
